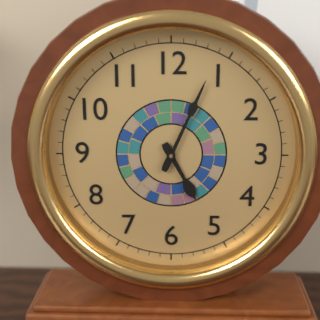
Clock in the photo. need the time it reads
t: 5:04
